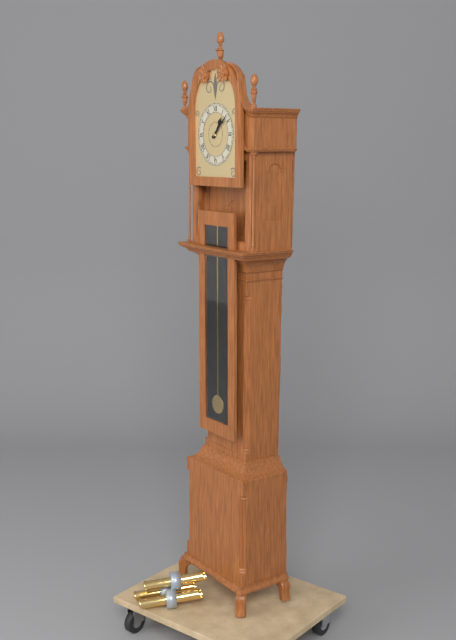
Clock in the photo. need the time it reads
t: 1:08
